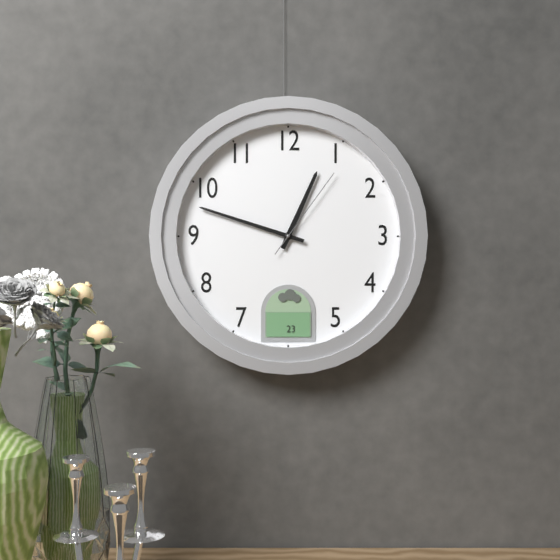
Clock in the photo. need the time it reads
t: 12:48:06
